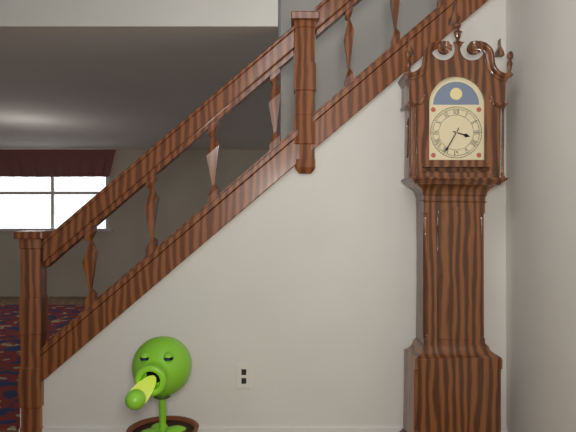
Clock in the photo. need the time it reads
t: 3:35
